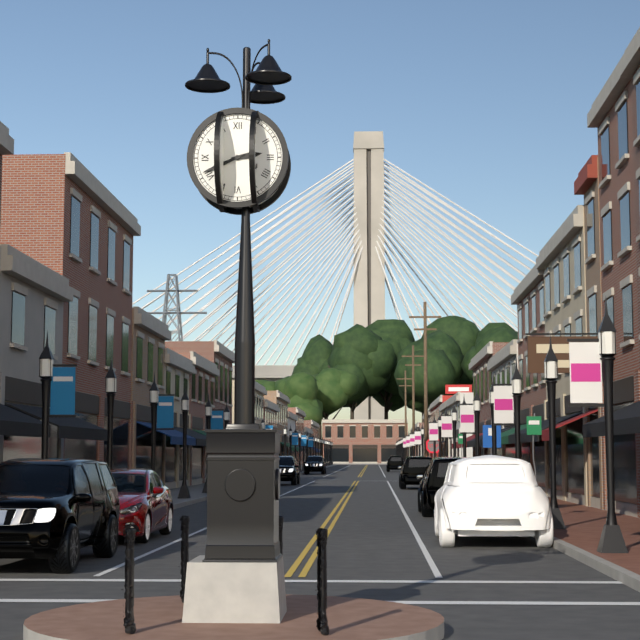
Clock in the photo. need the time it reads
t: 2:41
